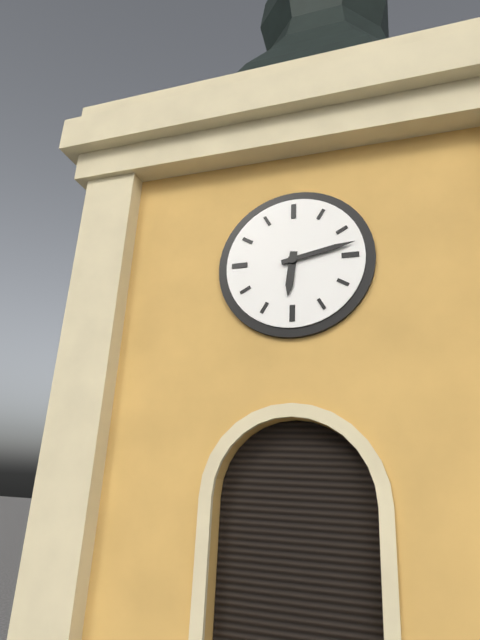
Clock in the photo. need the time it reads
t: 6:13
